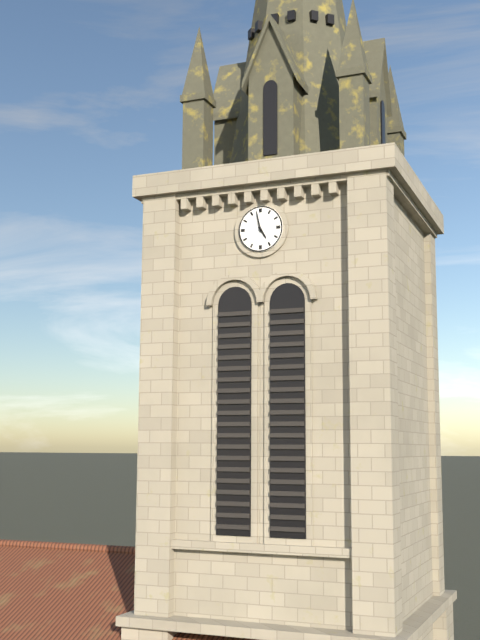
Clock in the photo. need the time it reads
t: 4:58
